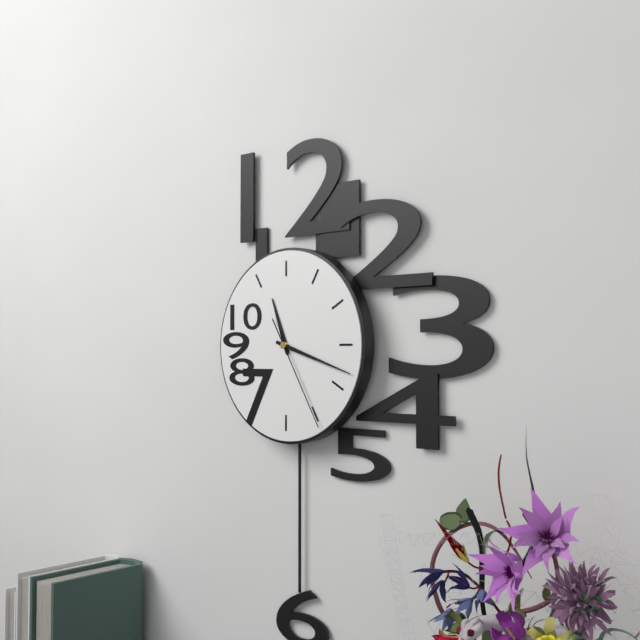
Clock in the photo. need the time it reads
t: 11:18:25
